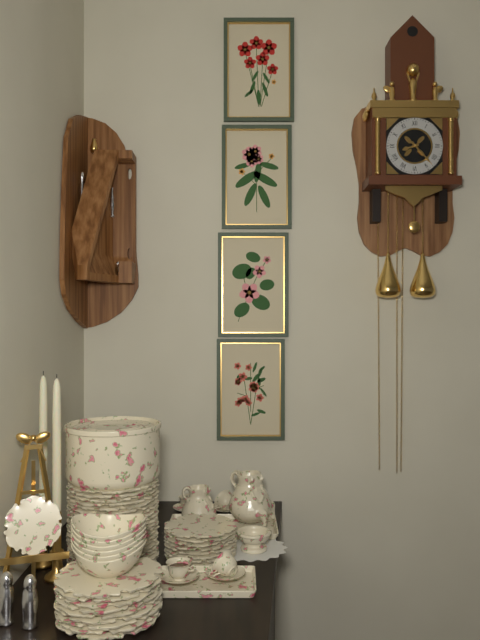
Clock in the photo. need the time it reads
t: 8:23
